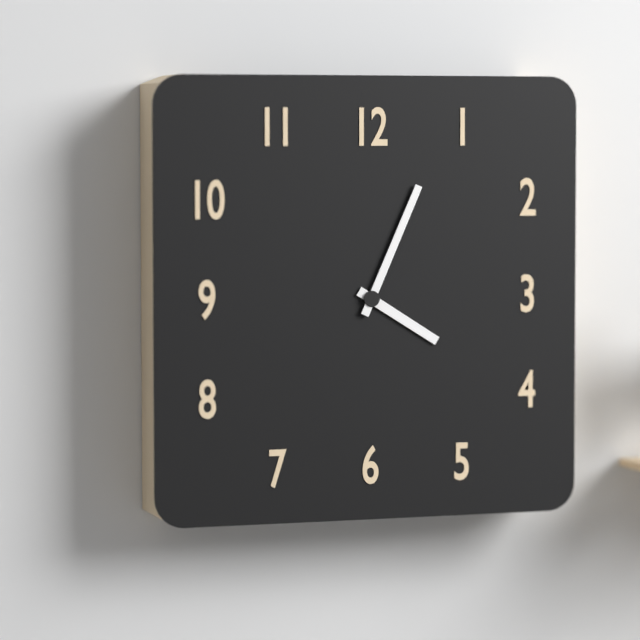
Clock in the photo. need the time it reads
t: 4:04
